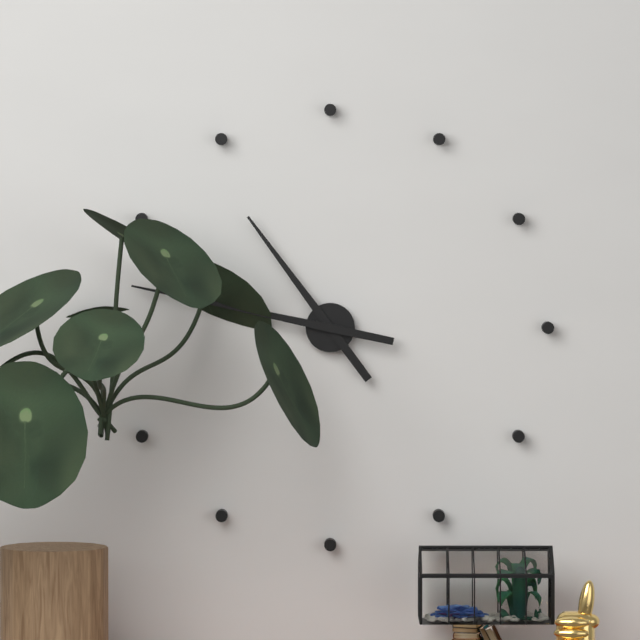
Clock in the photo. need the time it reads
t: 10:47
